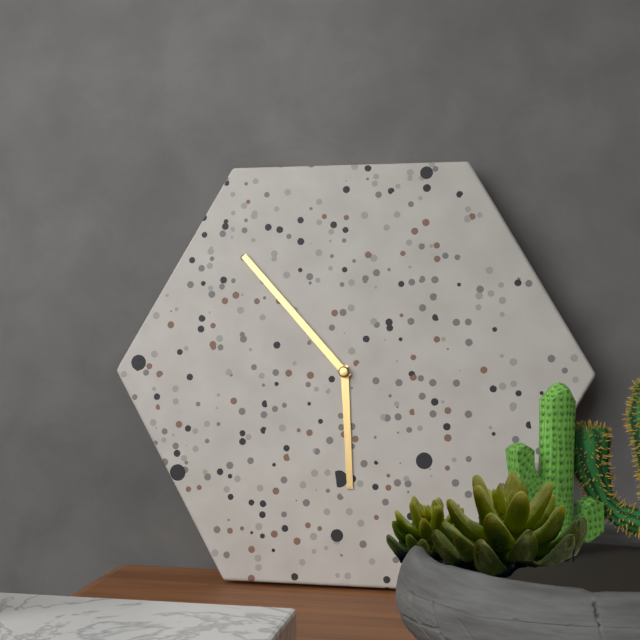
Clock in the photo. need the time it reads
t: 5:53
